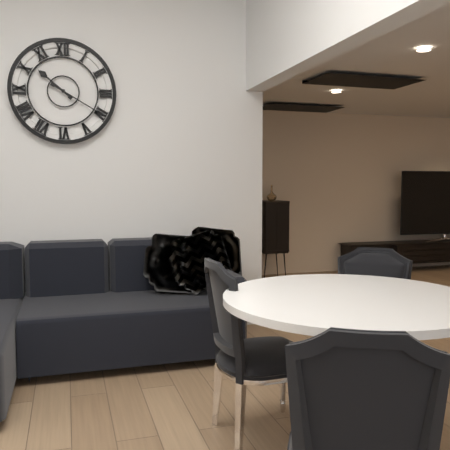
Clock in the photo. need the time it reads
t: 10:20
